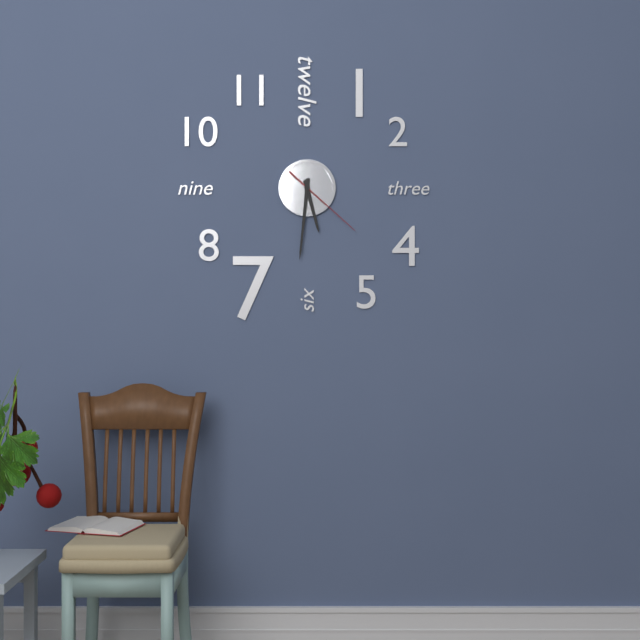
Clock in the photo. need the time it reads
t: 5:31:22
